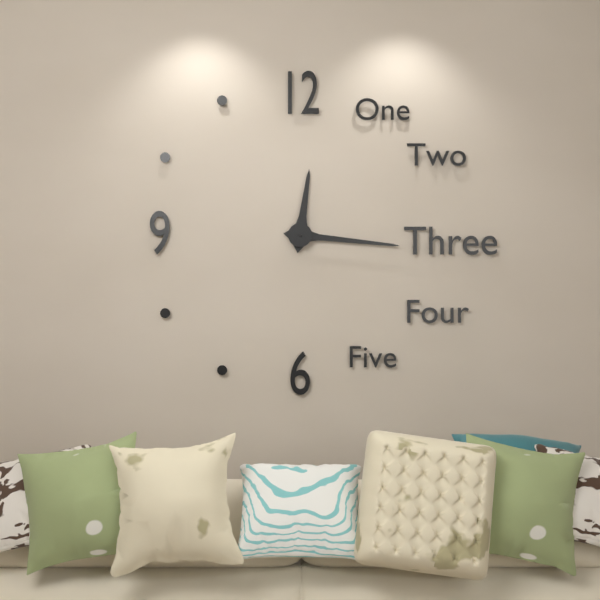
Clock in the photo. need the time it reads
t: 12:16
